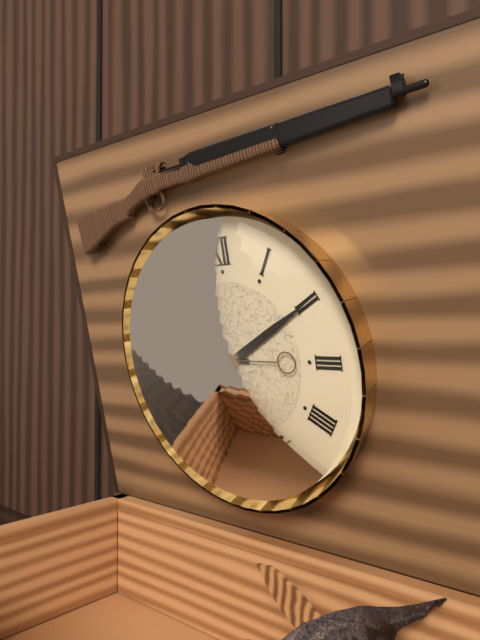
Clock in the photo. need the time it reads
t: 9:10:45
